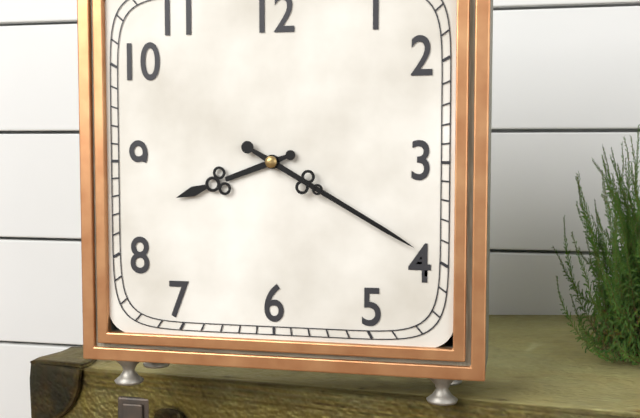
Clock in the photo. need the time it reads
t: 8:20
